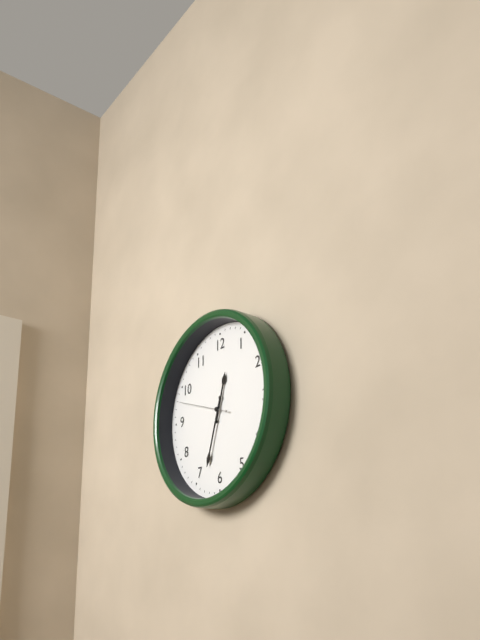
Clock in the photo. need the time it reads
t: 12:33:48
